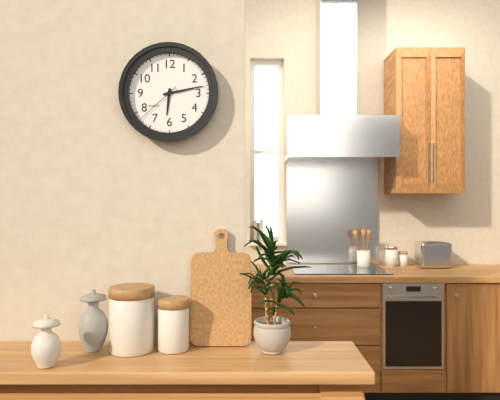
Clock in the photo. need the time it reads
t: 6:13
